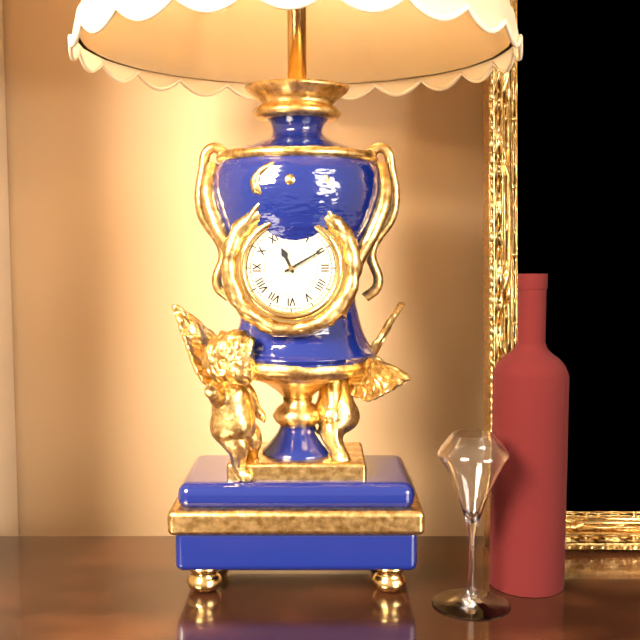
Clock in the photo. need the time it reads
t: 11:10
